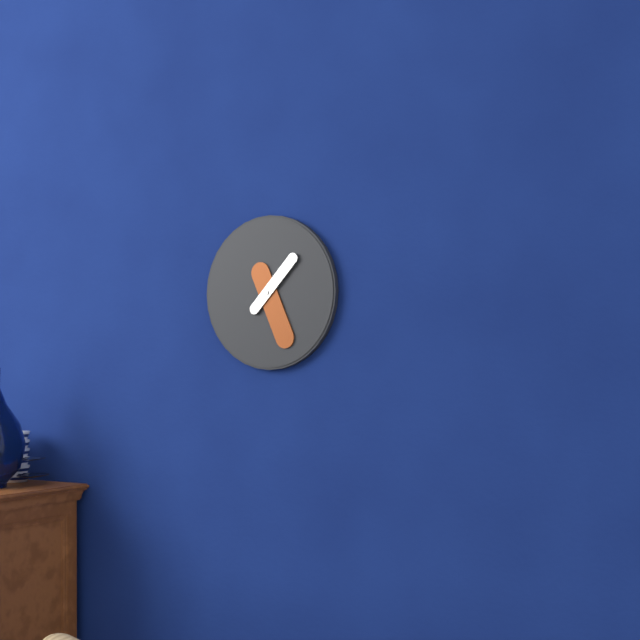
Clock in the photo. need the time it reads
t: 1:26
